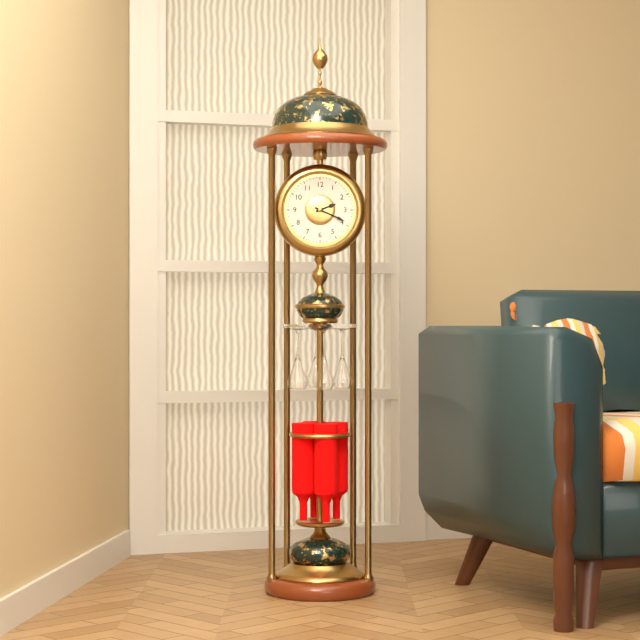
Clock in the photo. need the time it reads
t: 2:19
